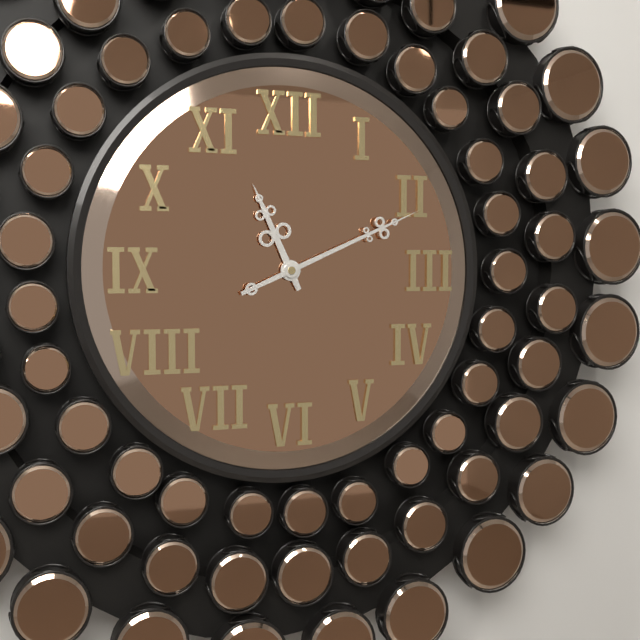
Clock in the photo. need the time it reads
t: 11:11
